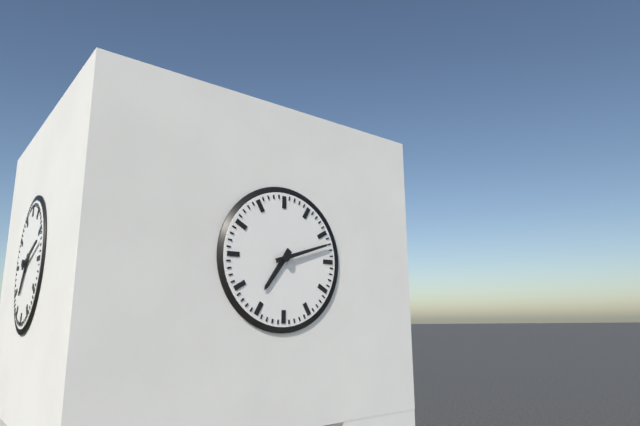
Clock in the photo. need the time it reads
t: 7:12
